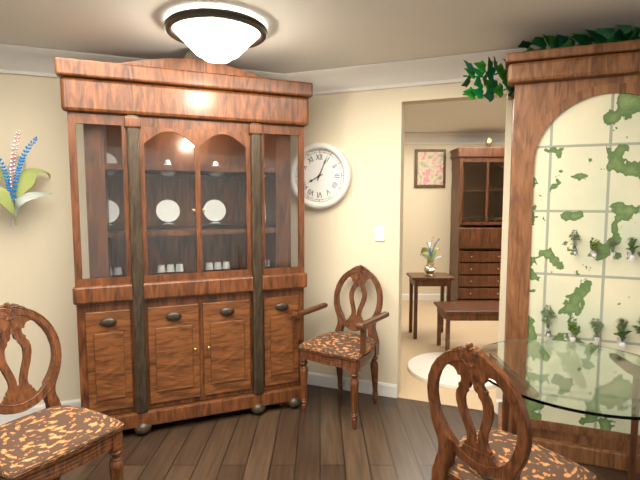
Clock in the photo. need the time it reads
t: 8:04
